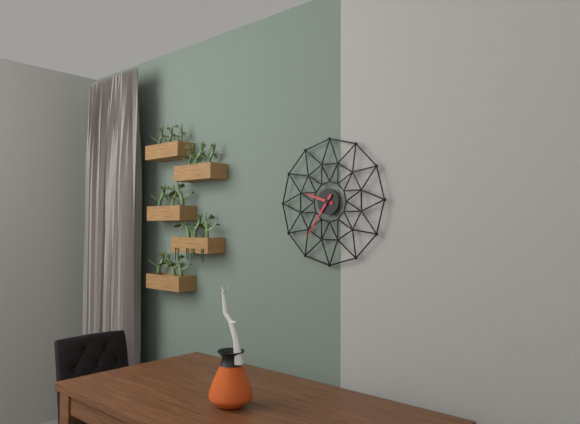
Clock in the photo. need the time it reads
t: 9:36
